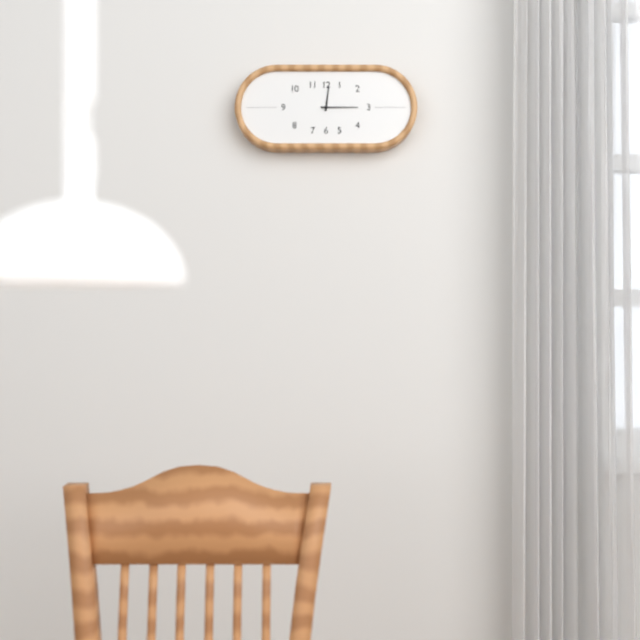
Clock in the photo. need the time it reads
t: 12:15
